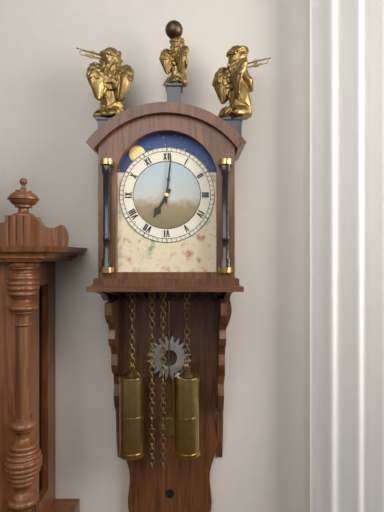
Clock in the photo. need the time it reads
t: 7:01
